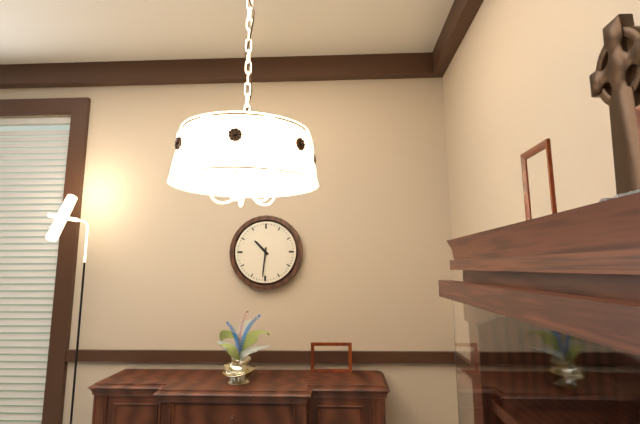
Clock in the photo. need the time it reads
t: 10:31
